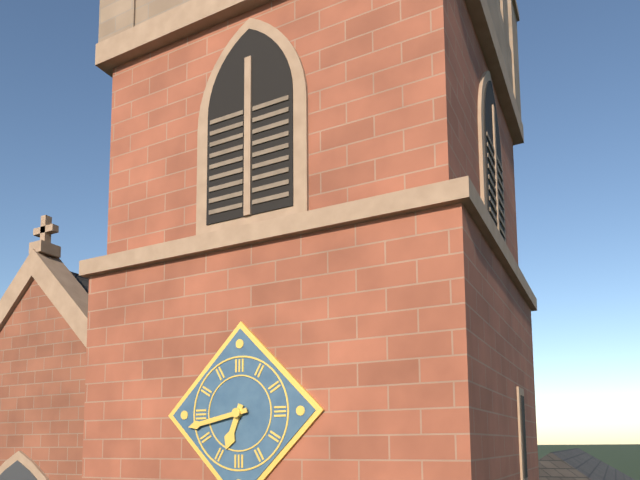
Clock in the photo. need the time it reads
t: 6:43
